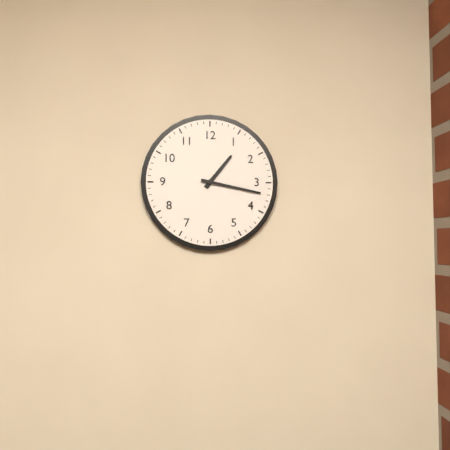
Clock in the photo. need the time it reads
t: 1:17
